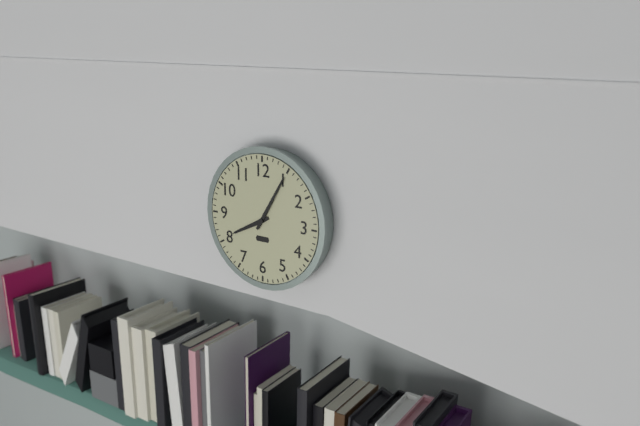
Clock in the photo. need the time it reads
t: 8:05
